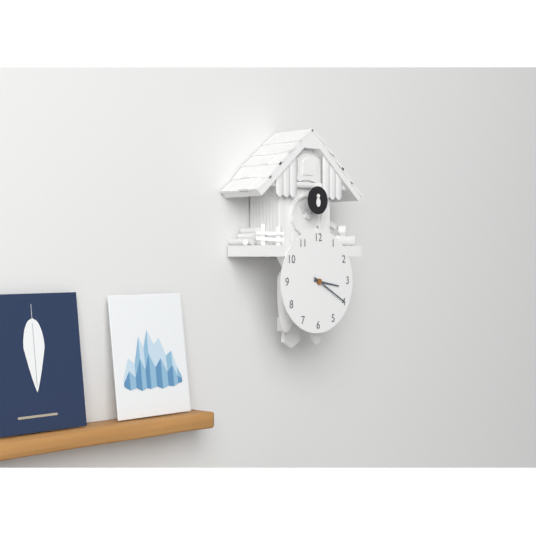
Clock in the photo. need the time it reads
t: 3:20
